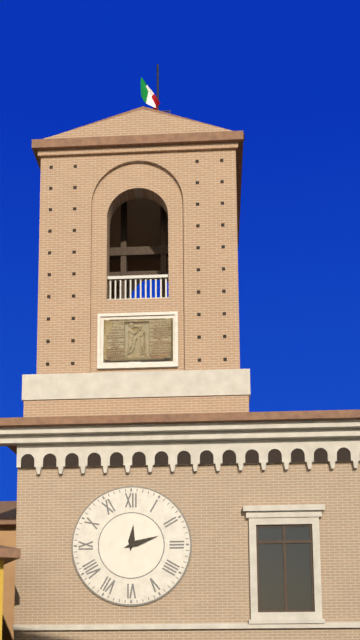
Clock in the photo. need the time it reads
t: 12:12
